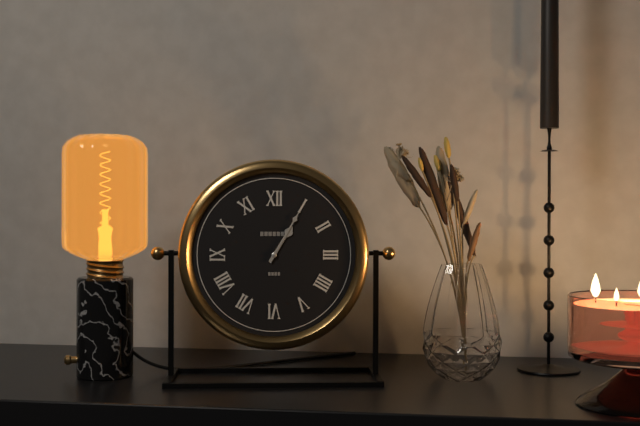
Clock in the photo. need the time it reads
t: 1:05
